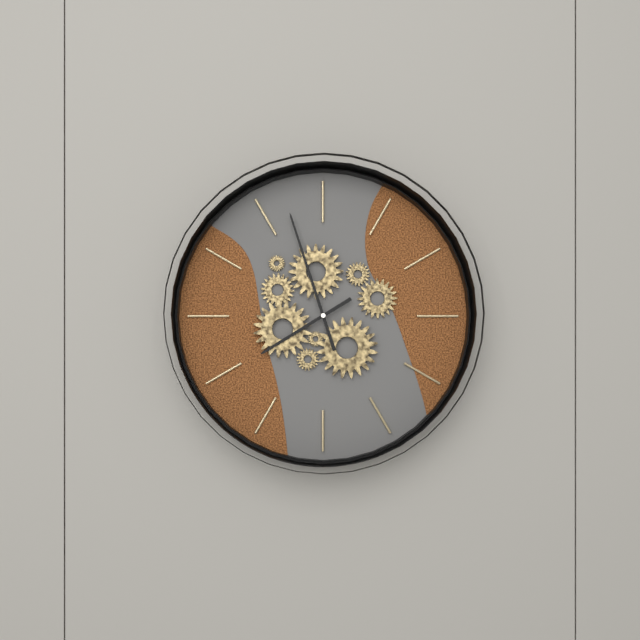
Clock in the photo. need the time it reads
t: 7:57
